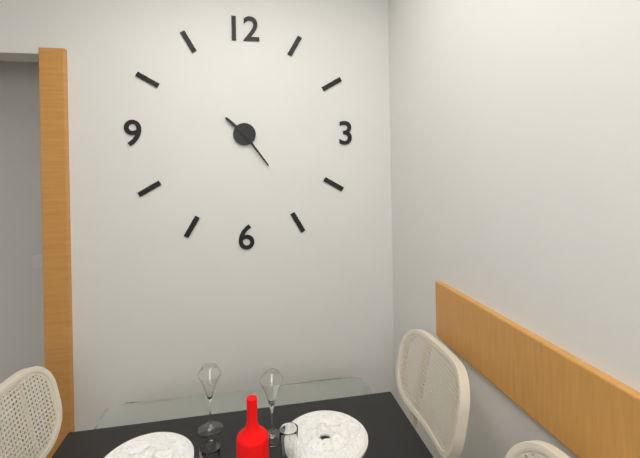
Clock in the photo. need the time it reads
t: 10:24
